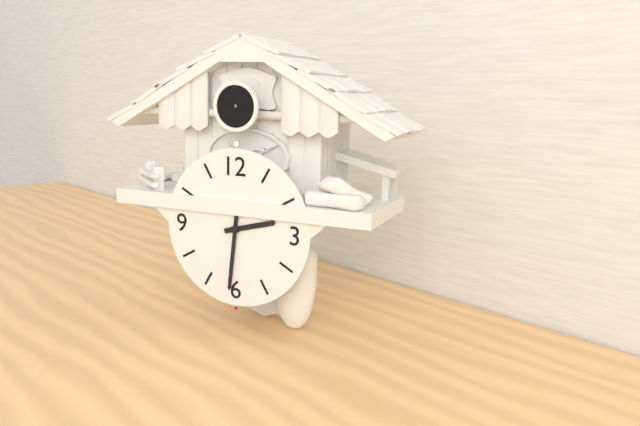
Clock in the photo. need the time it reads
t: 2:31
